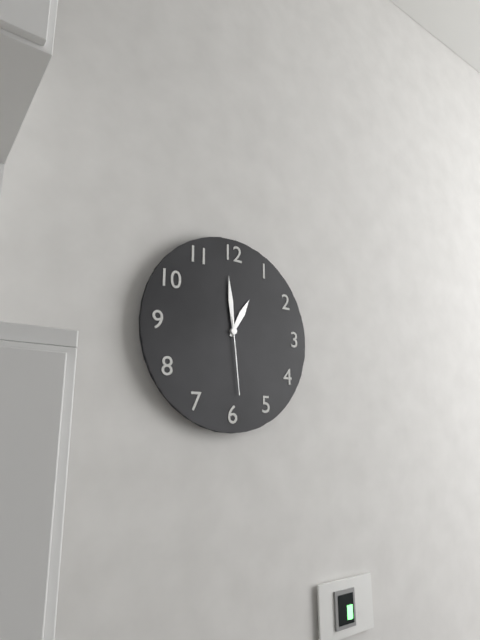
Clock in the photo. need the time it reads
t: 12:59:29
